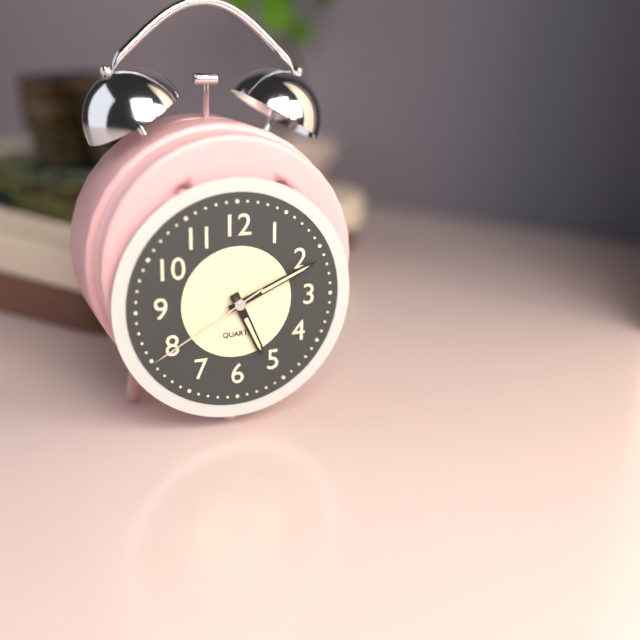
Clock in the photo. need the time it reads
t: 5:11:40
